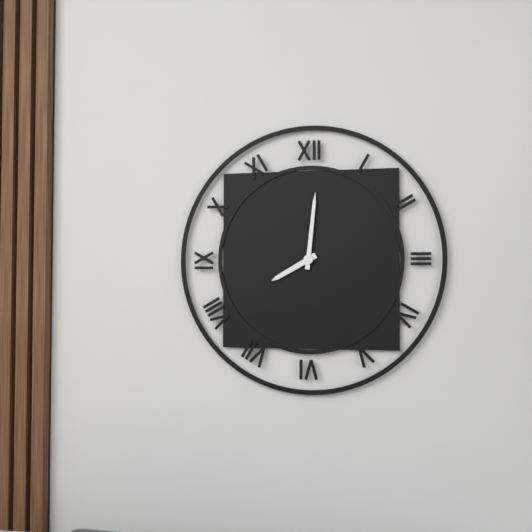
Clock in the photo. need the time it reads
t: 8:01
